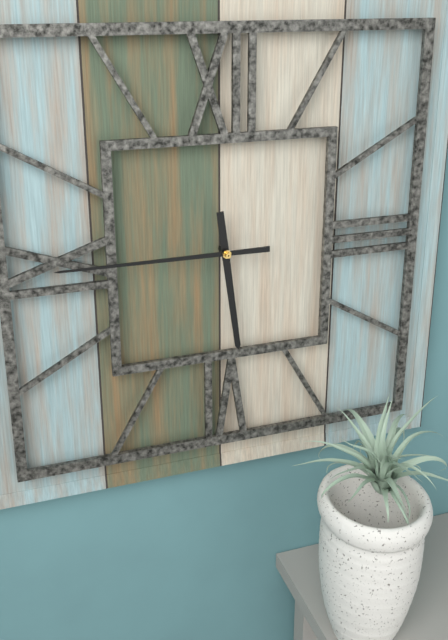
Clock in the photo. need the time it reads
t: 5:45
